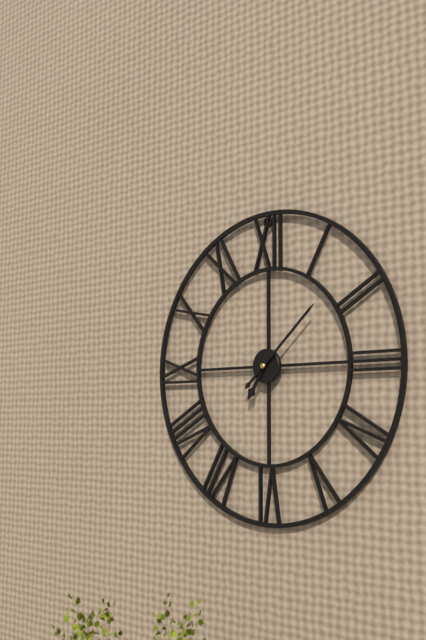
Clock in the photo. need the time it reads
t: 7:08
